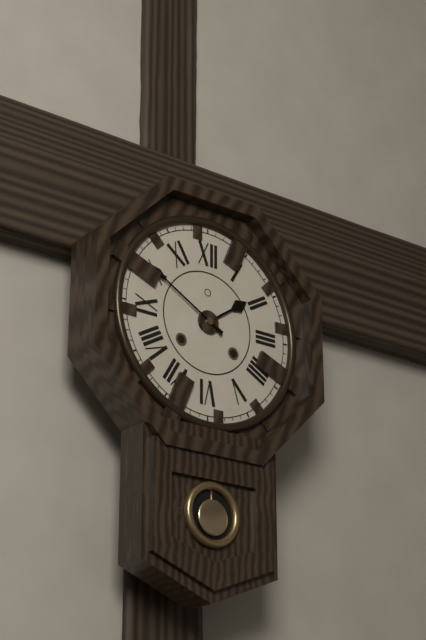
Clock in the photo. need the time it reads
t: 1:50
